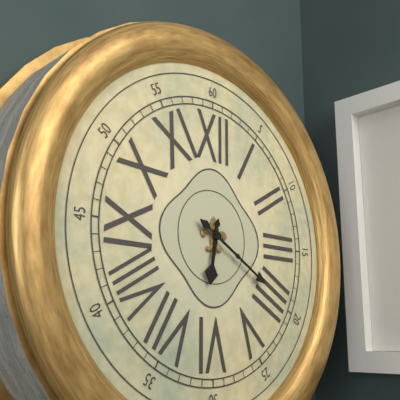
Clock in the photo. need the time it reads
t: 6:20
